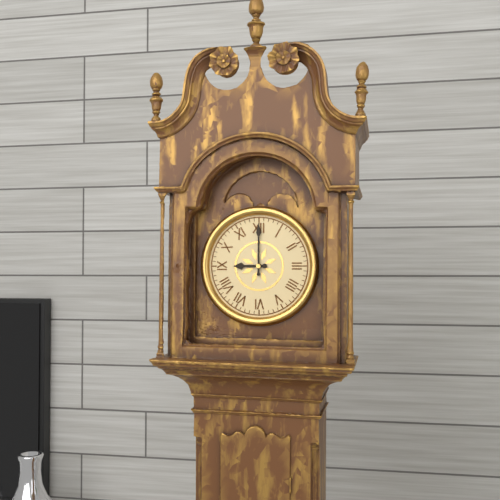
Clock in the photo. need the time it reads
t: 9:00
